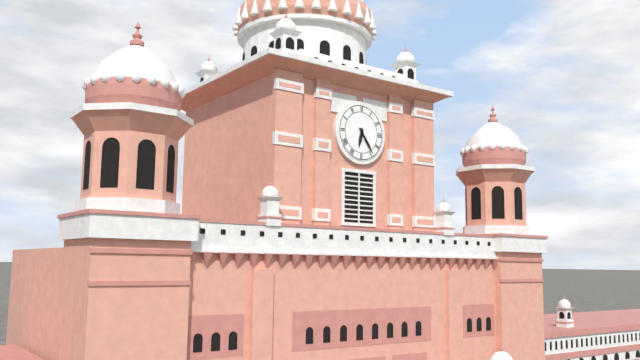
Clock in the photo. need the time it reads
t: 6:24
